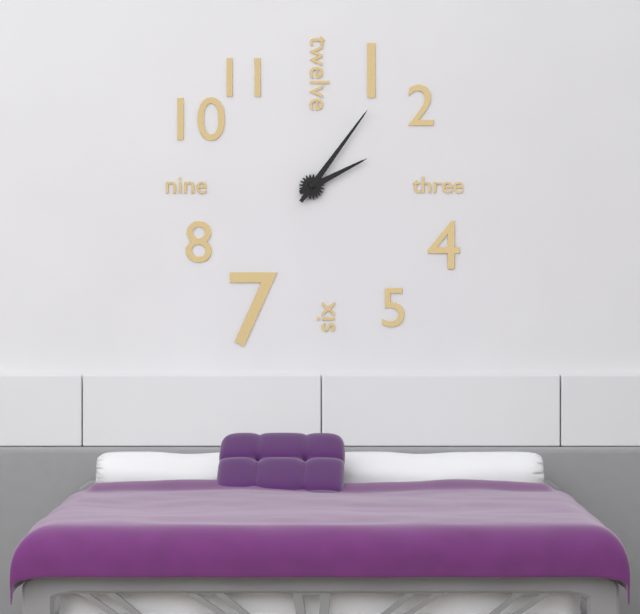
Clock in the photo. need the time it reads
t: 2:06
